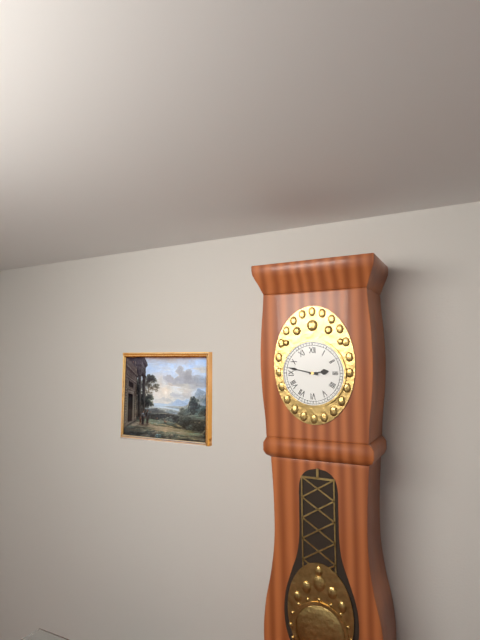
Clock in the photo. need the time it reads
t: 2:47
